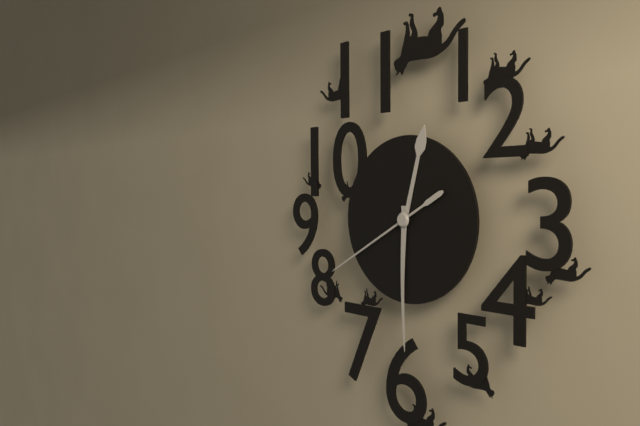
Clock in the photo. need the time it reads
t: 12:30:40
